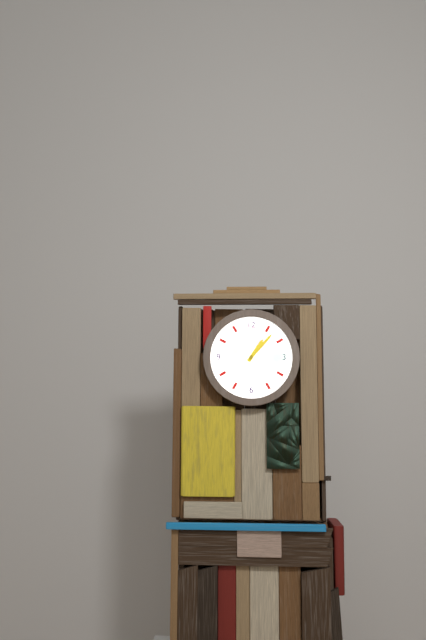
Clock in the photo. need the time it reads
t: 1:07
